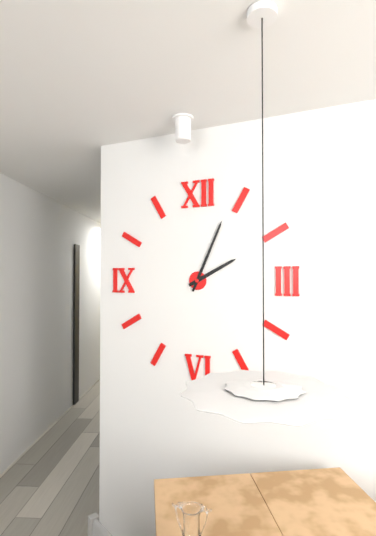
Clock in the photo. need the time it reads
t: 2:04
